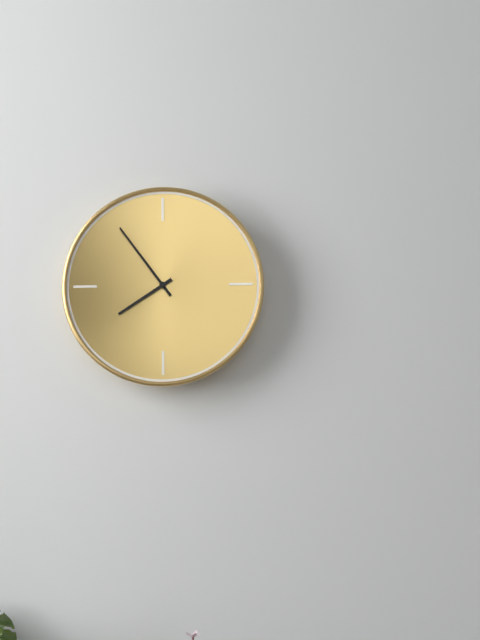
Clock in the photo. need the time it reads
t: 7:54
